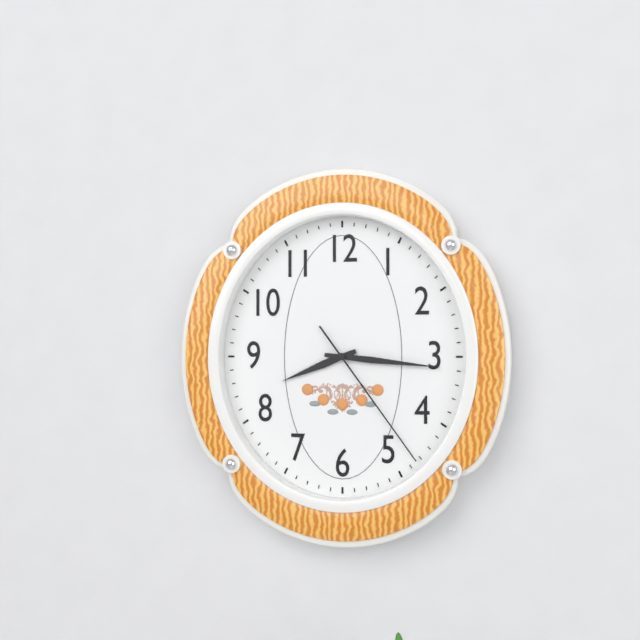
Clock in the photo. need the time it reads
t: 8:16:24
